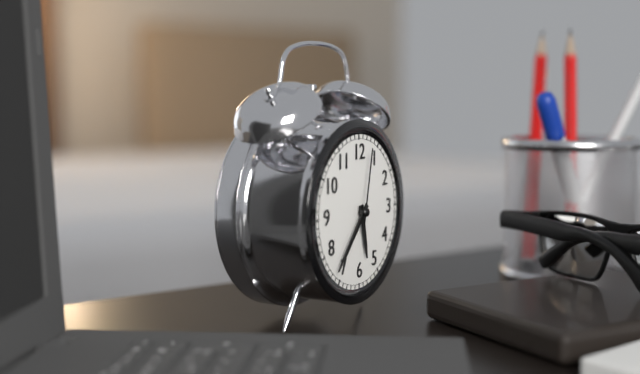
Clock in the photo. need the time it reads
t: 5:37:02
